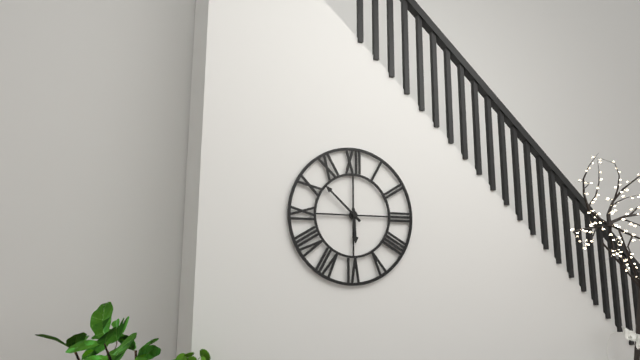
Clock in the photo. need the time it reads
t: 5:52
